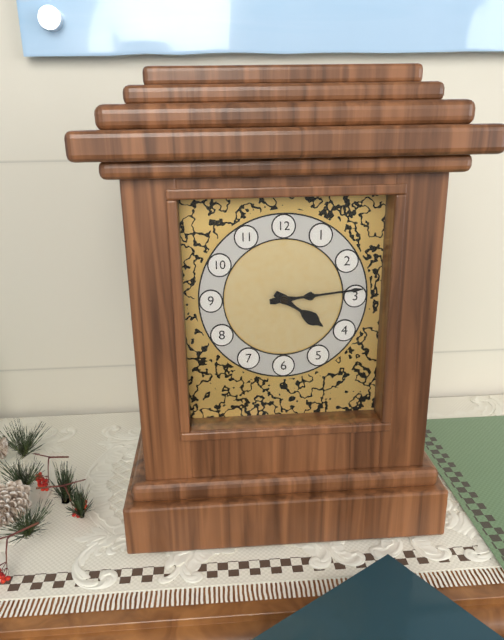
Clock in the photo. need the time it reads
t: 4:14
